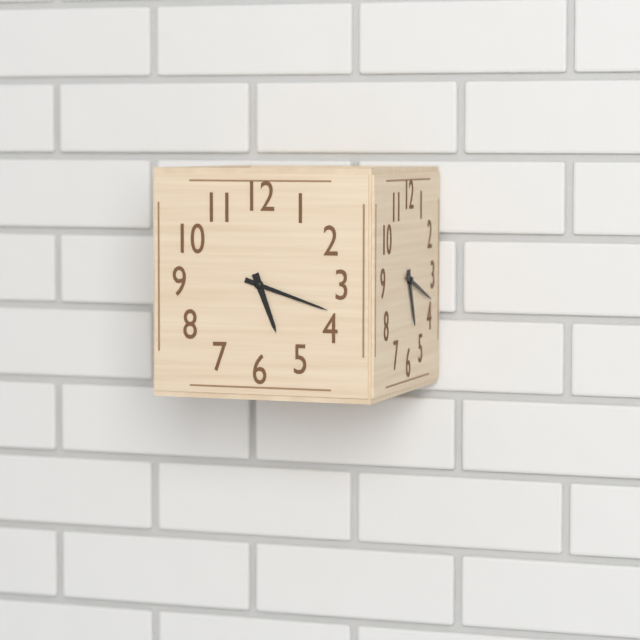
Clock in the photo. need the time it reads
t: 5:18
